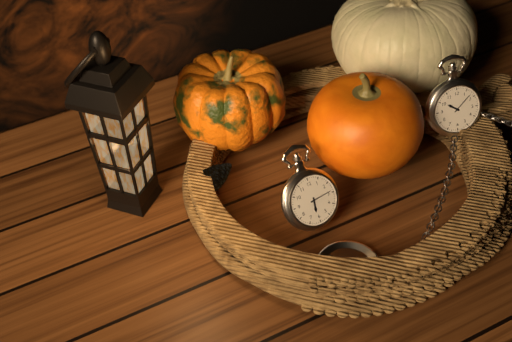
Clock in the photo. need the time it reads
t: 6:14
